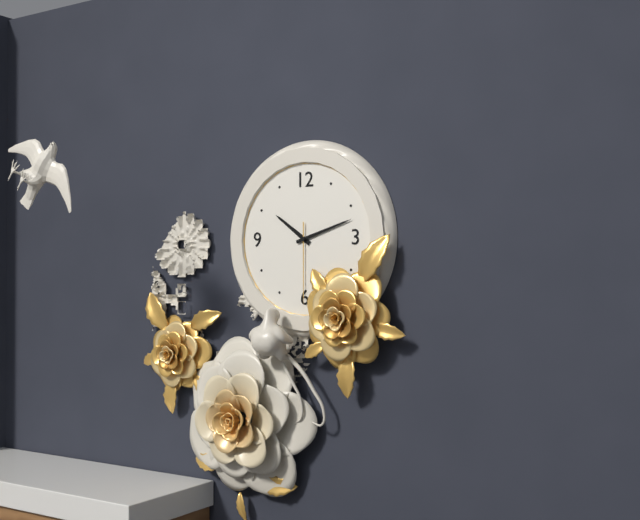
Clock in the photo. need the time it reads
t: 10:12:30
